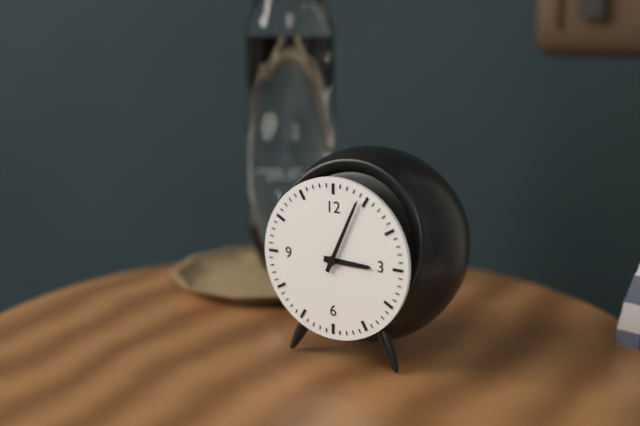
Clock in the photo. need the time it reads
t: 3:04
